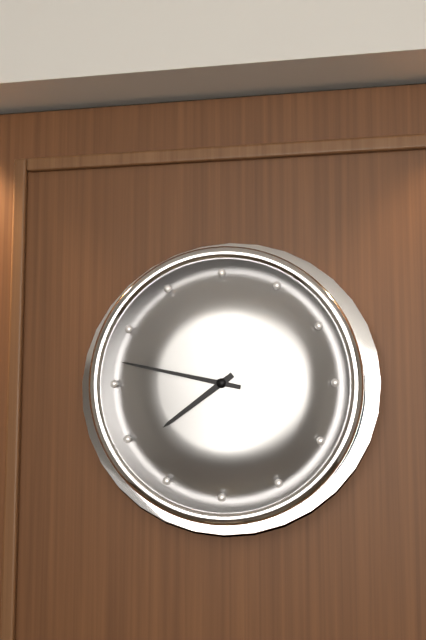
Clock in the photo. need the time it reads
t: 7:47
